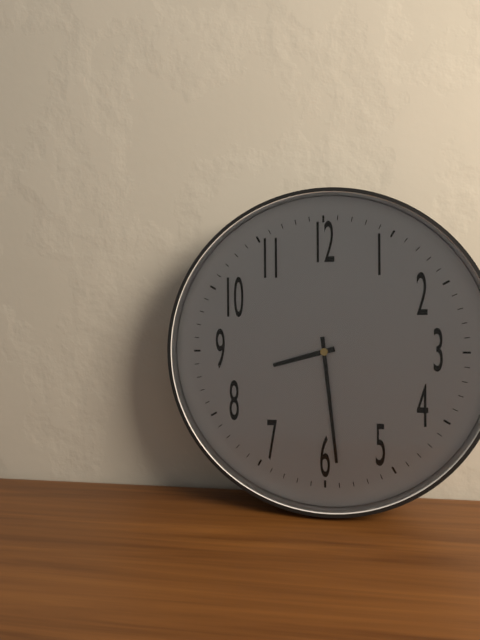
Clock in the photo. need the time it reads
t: 8:29
